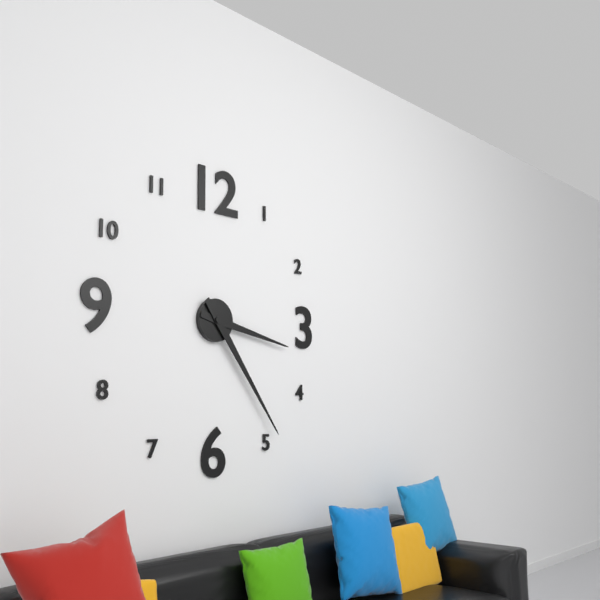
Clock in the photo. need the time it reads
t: 3:24
